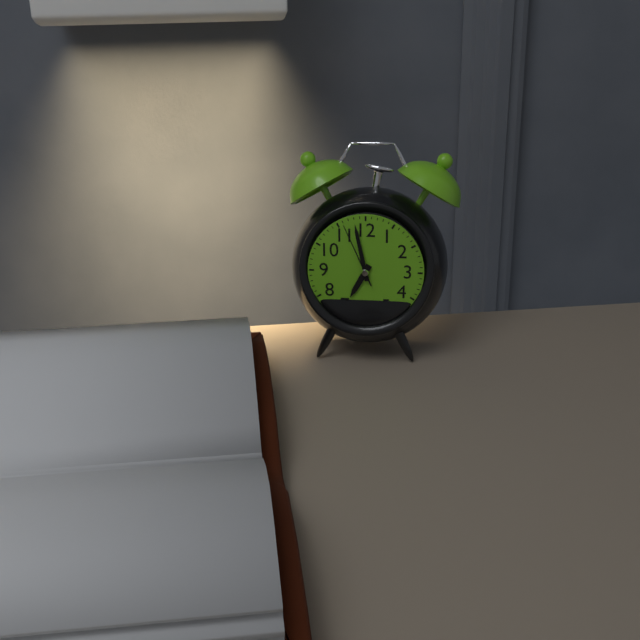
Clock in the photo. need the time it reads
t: 6:58:56
